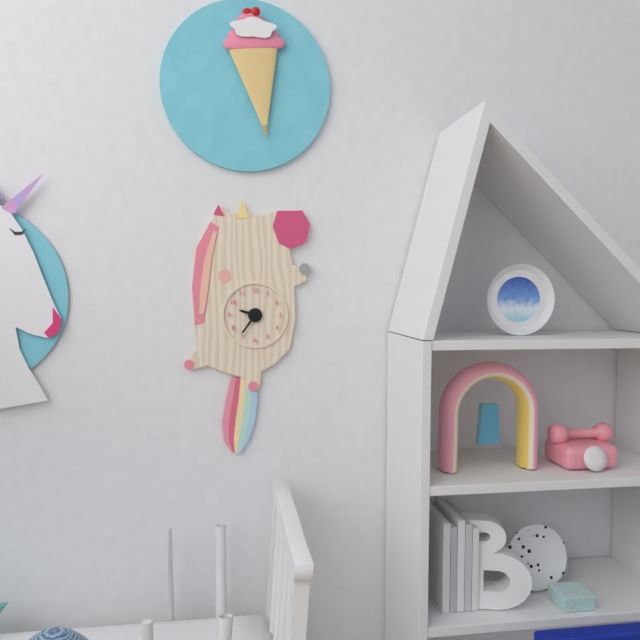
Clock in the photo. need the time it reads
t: 9:36
